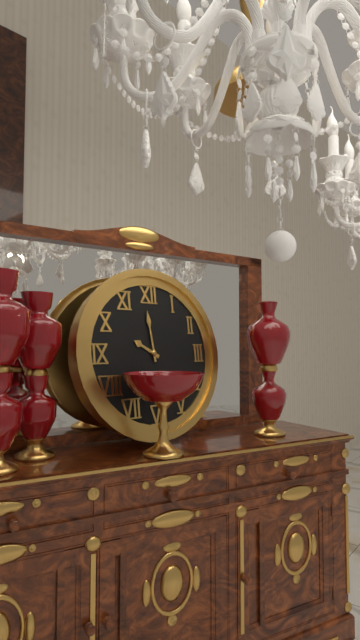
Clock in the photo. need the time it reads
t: 9:59
